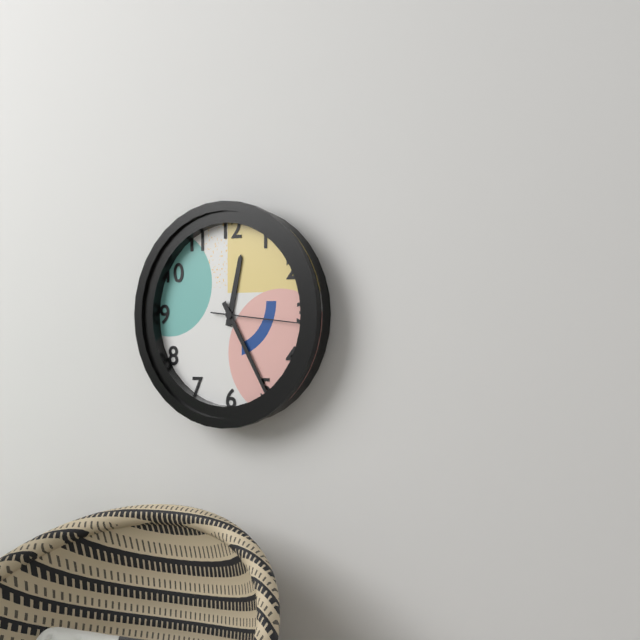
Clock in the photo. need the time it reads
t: 12:25:16
